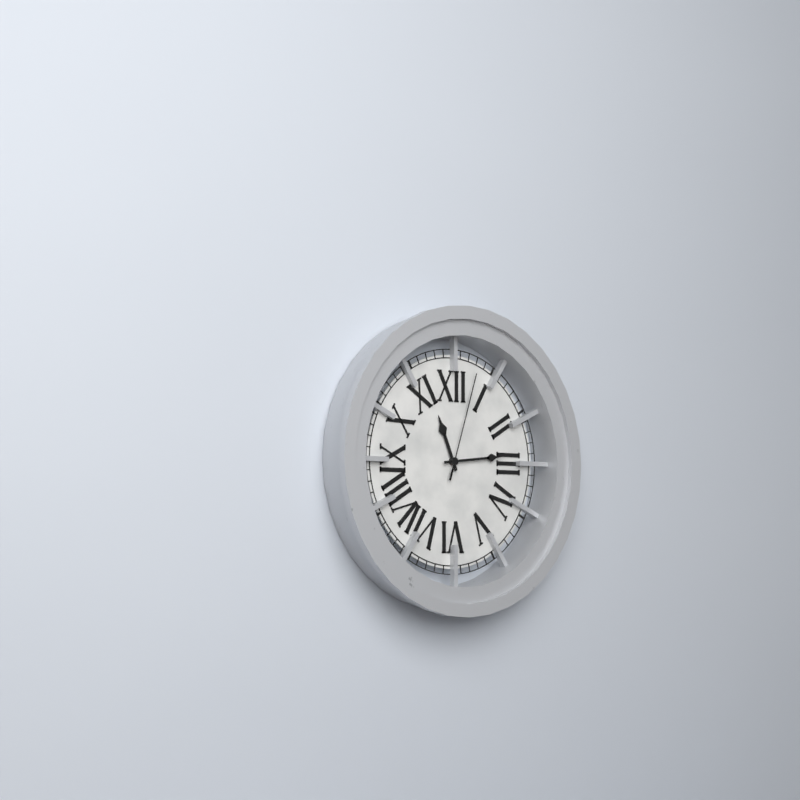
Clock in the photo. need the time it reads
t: 11:14:03
